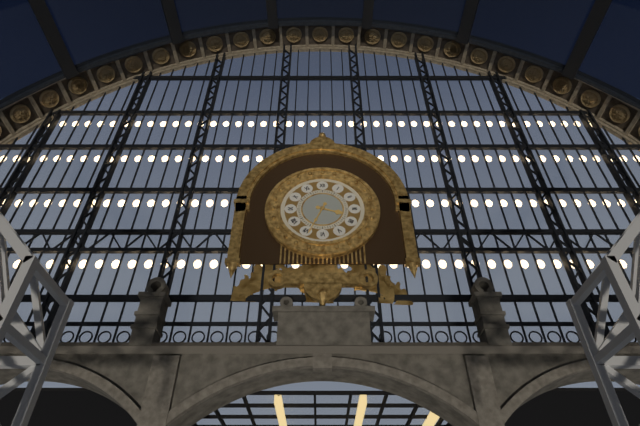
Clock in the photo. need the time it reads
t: 3:34
